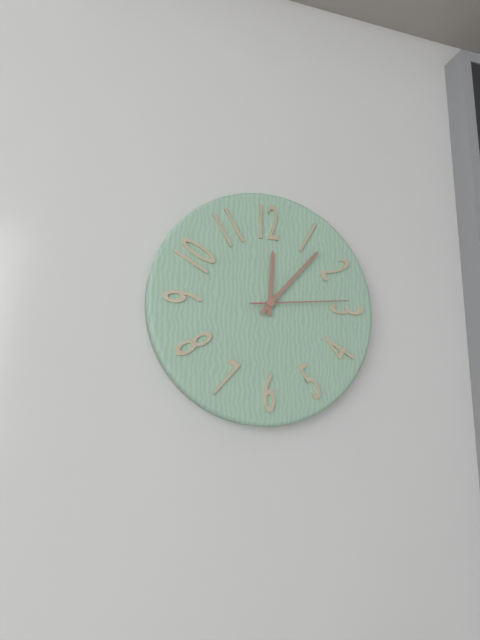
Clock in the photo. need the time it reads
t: 12:07:14
